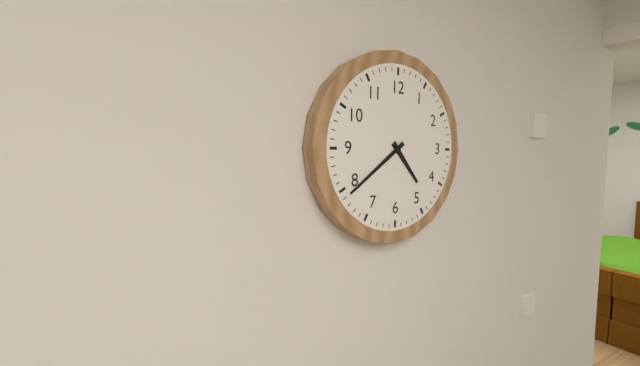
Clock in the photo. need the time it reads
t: 4:39
